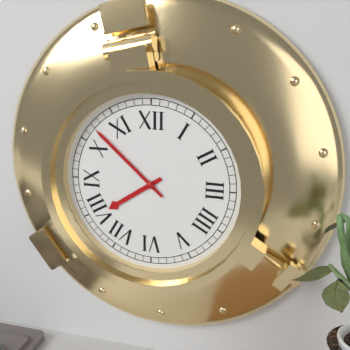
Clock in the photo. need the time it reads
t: 7:52
